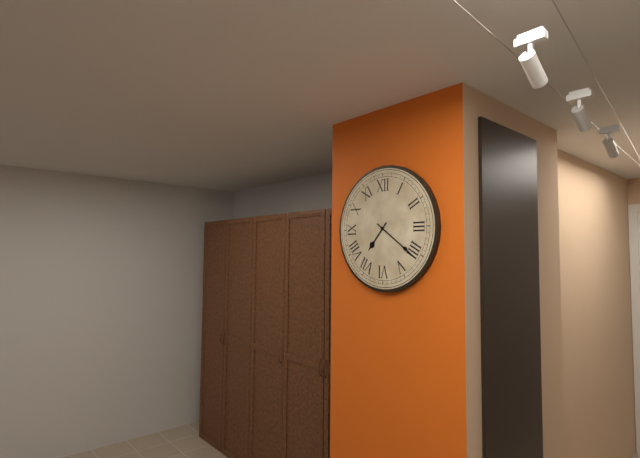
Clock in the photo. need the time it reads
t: 7:21
